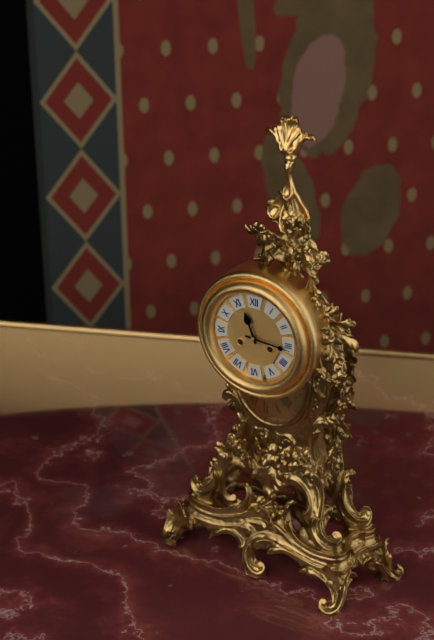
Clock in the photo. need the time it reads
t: 11:16
